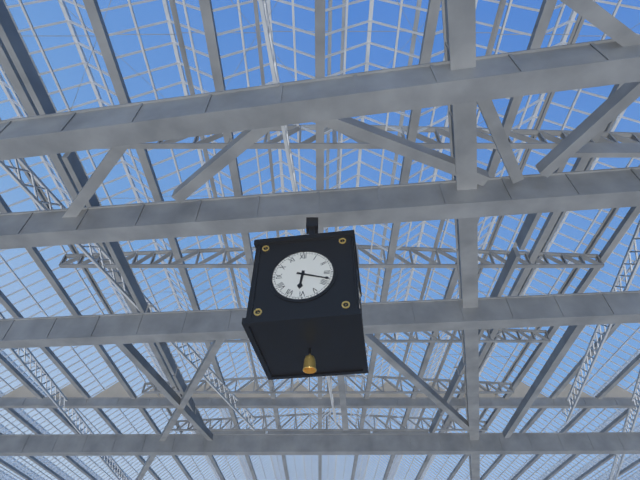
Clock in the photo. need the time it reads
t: 6:18
